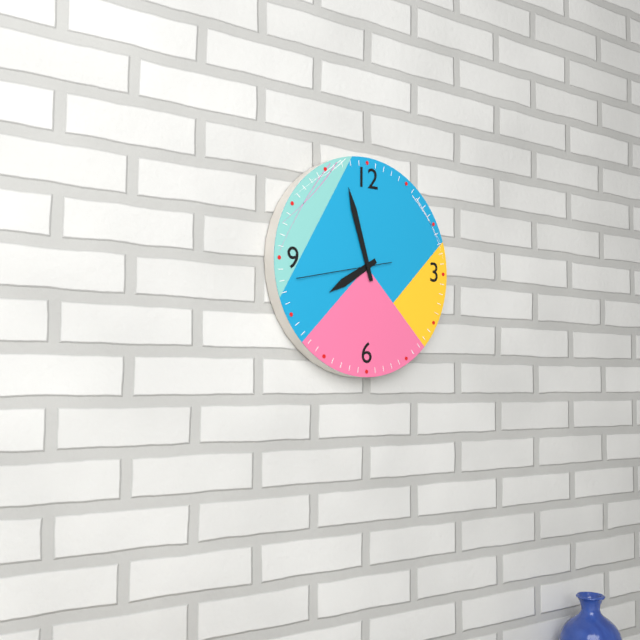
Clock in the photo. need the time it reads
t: 7:57:43
